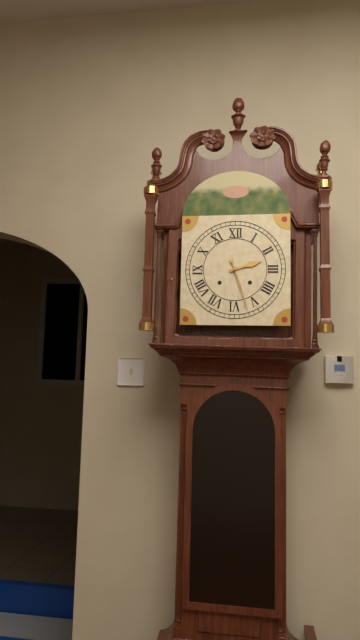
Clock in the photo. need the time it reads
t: 2:27
